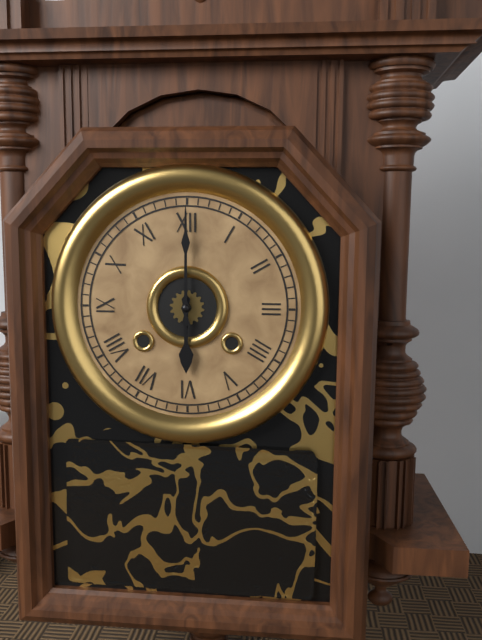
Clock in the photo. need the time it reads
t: 6:00
